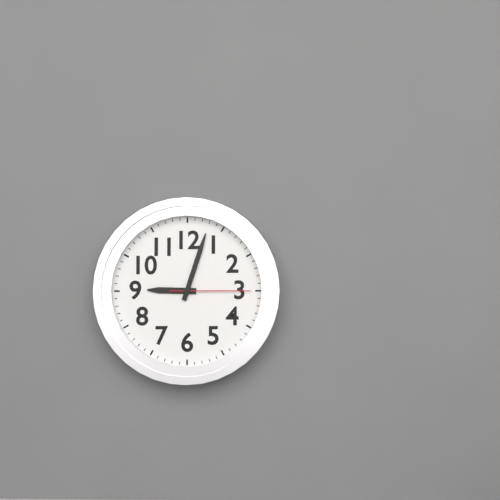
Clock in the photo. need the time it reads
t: 9:03:15
